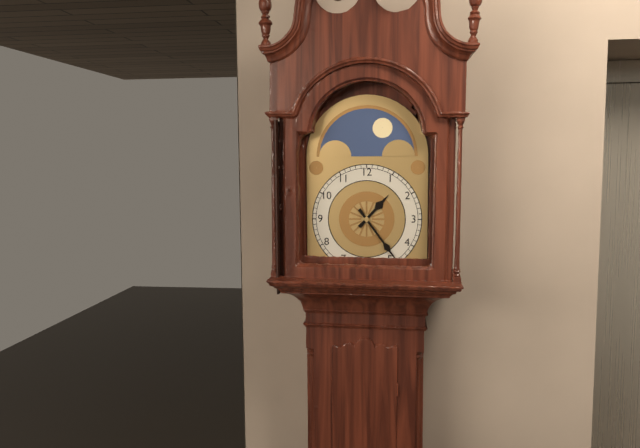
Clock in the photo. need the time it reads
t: 1:24
